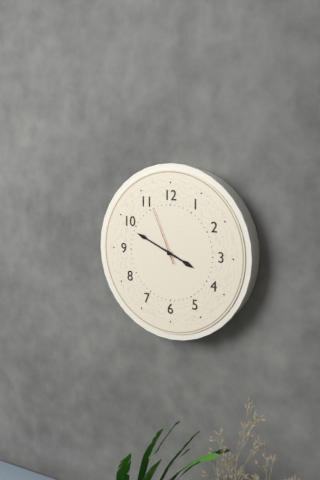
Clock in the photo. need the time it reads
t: 3:49:56
